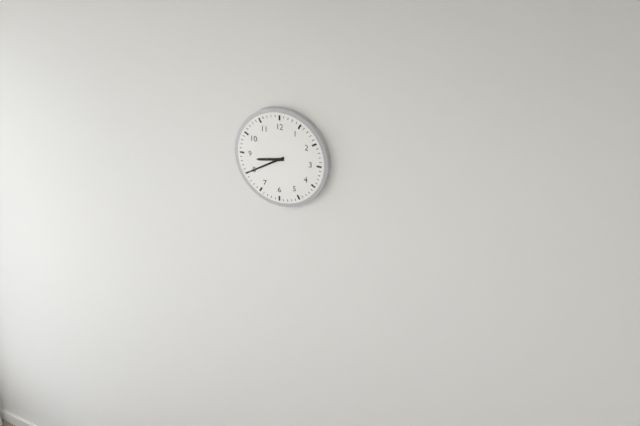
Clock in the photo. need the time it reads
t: 8:40
